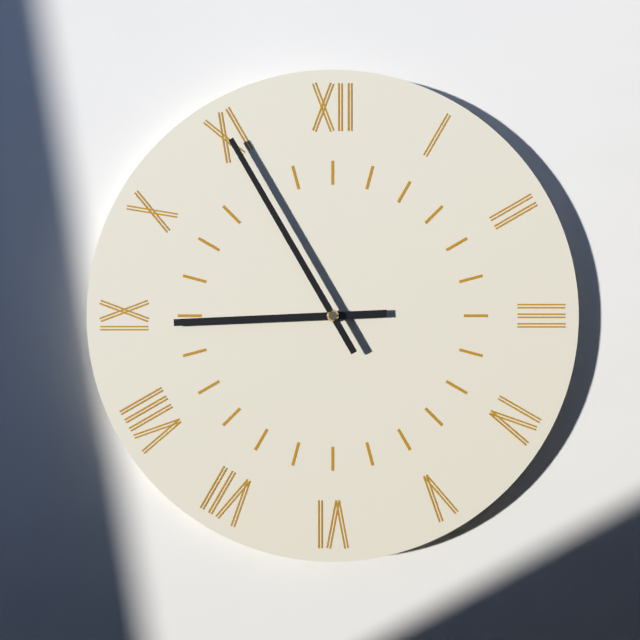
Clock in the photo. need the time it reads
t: 8:55
